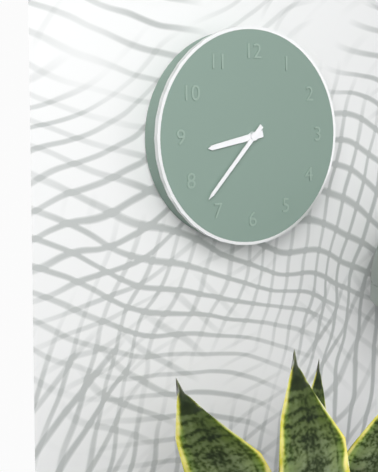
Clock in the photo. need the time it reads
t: 8:37
